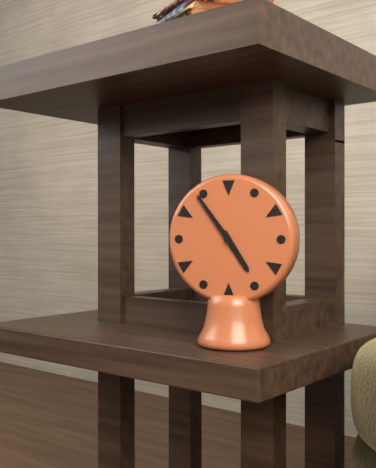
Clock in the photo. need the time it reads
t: 4:54
